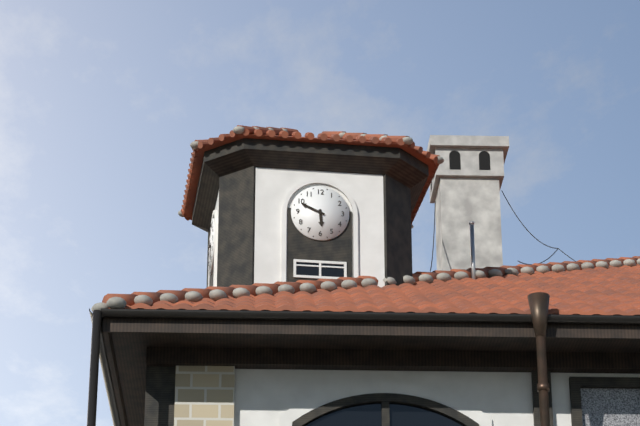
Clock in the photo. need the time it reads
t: 5:49
